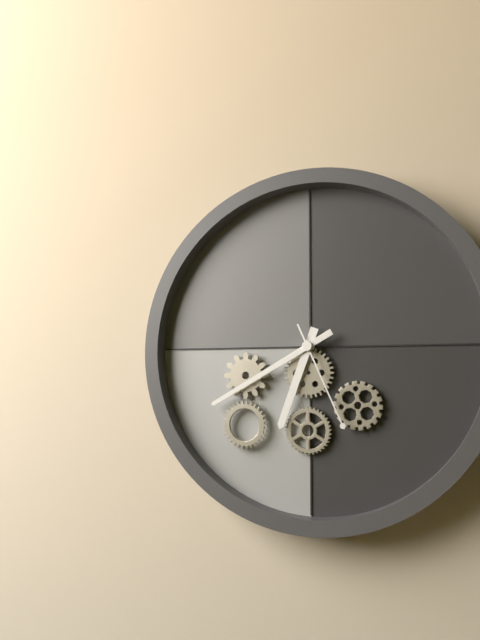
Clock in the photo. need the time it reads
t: 6:40:26
